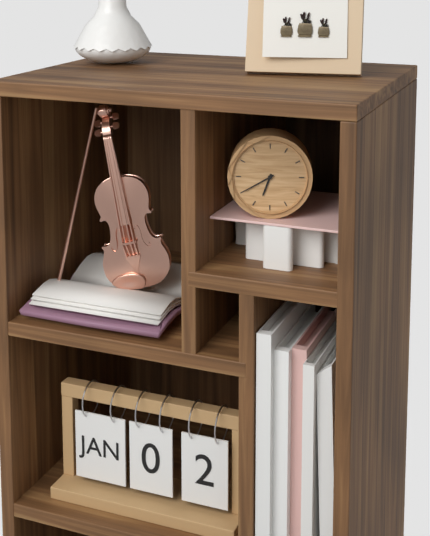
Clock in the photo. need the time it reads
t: 6:40
